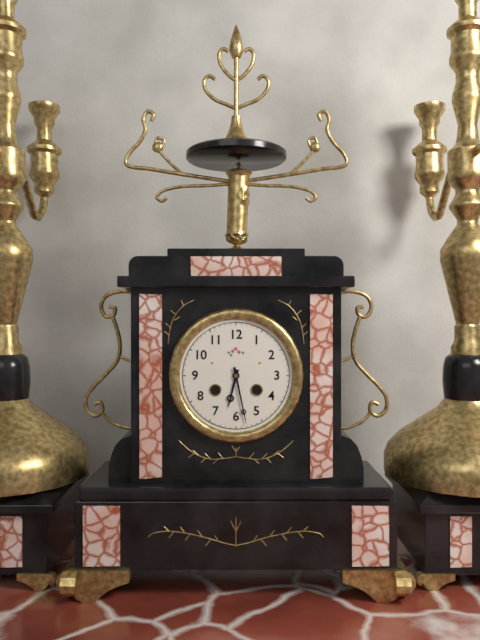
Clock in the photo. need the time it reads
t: 6:28
